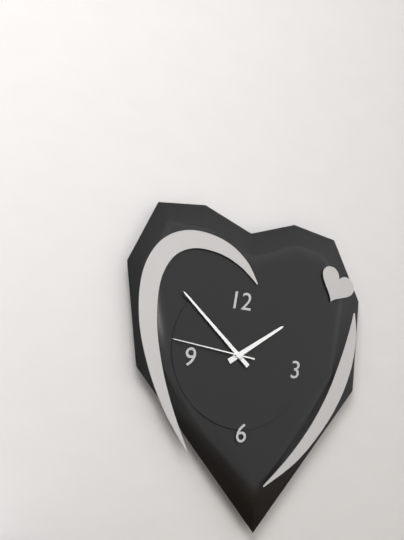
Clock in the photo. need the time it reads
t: 1:52:46
